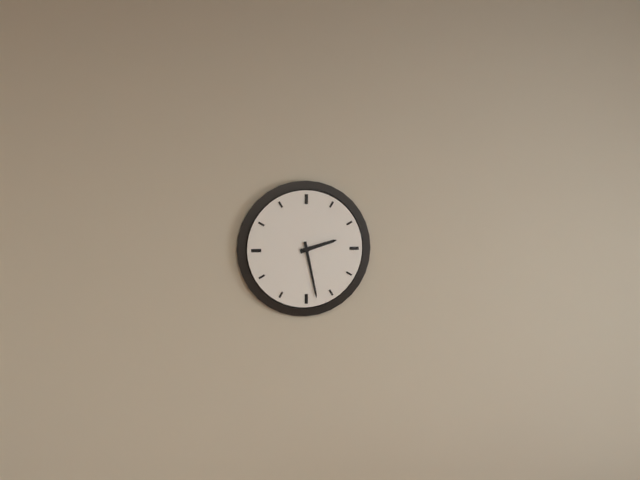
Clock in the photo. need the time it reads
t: 2:28
